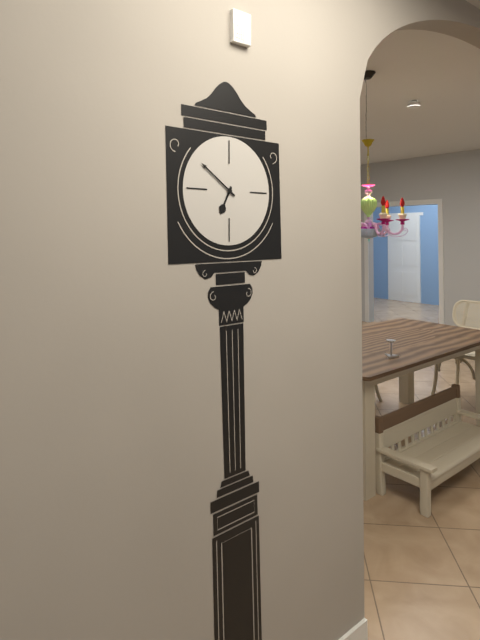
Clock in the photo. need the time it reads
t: 6:51
